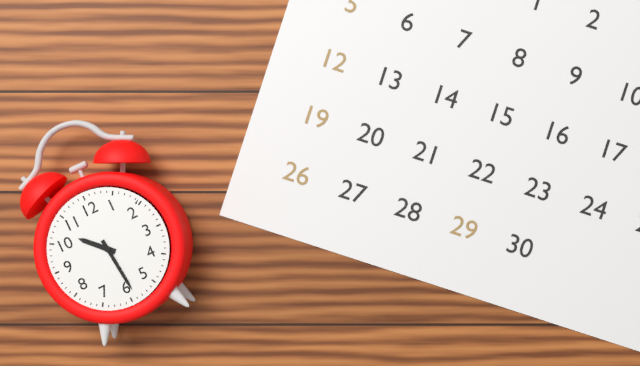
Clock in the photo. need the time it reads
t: 10:29
